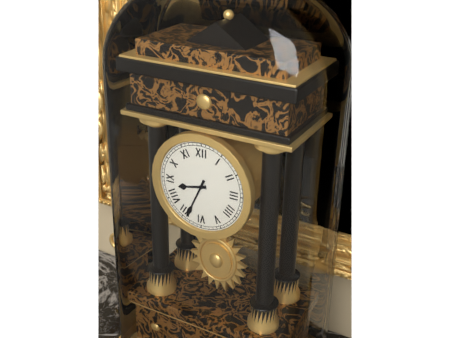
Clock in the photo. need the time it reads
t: 8:34
